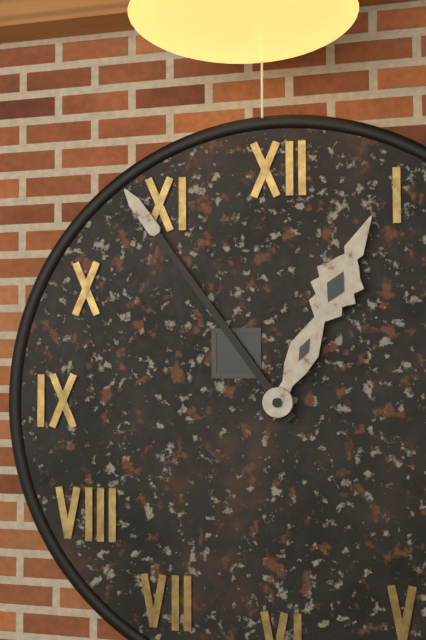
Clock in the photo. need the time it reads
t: 12:54
